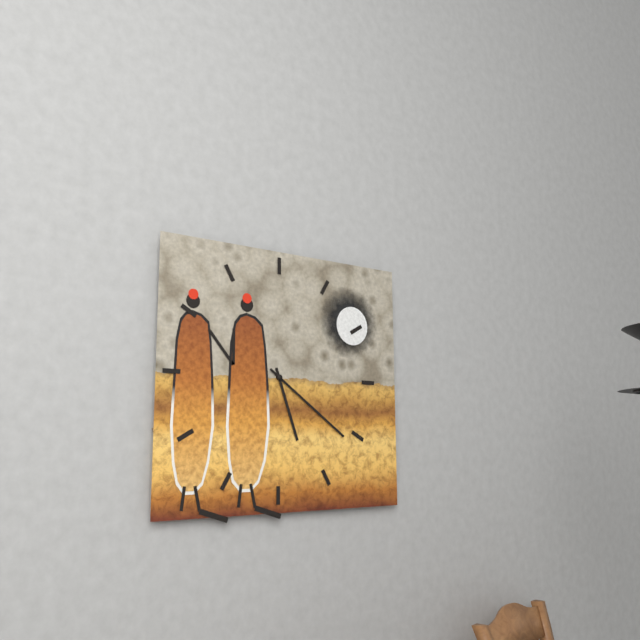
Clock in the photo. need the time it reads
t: 5:21
